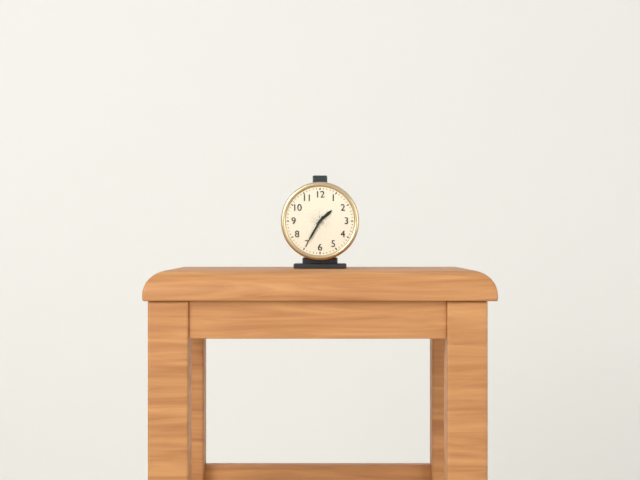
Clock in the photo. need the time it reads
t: 1:35
